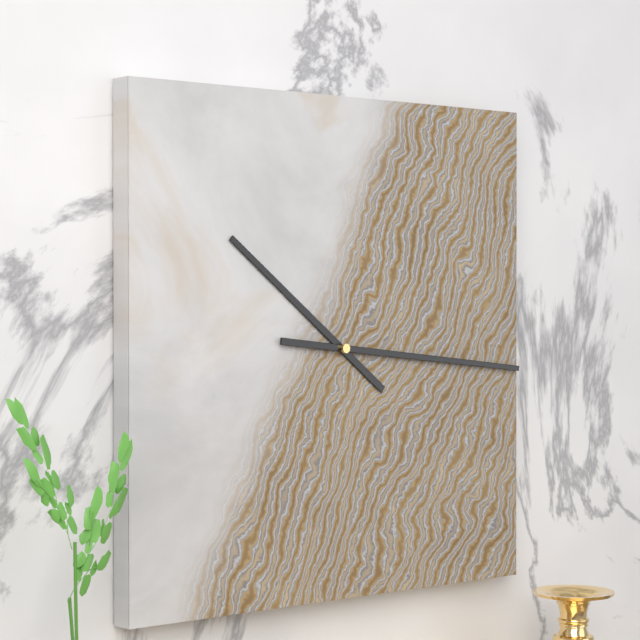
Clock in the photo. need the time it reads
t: 10:16
